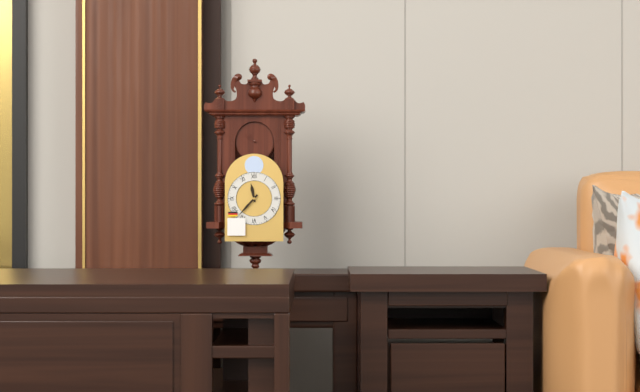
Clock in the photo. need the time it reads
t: 11:37
